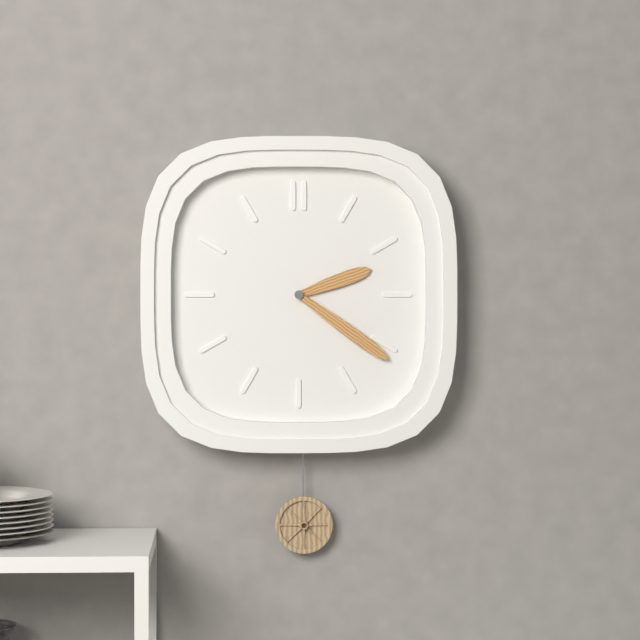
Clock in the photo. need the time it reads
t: 2:21
